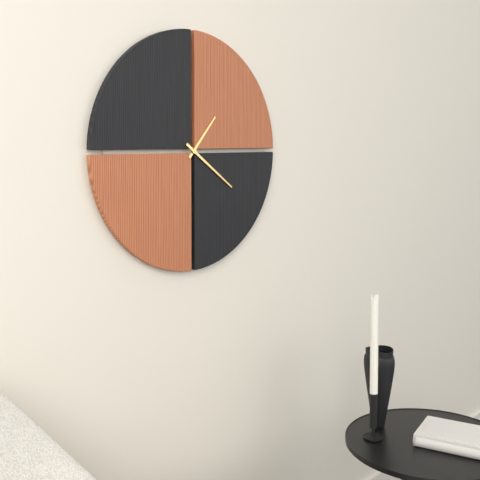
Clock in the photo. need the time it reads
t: 1:21
